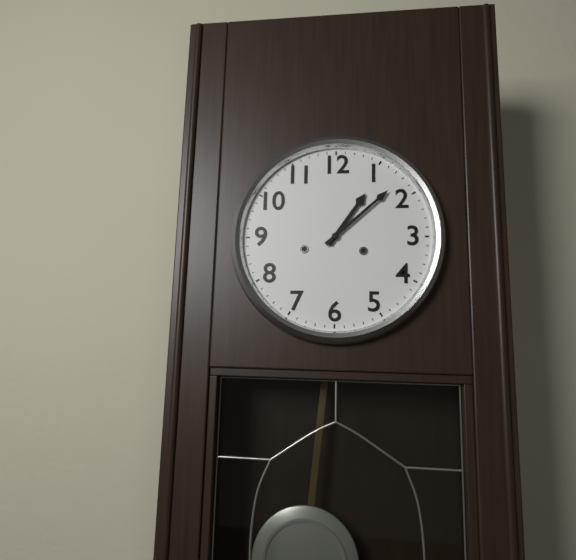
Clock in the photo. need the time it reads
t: 1:08
